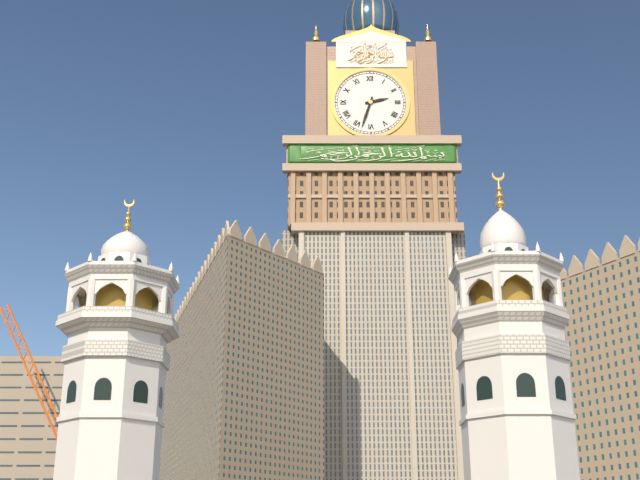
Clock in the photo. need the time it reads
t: 2:33
